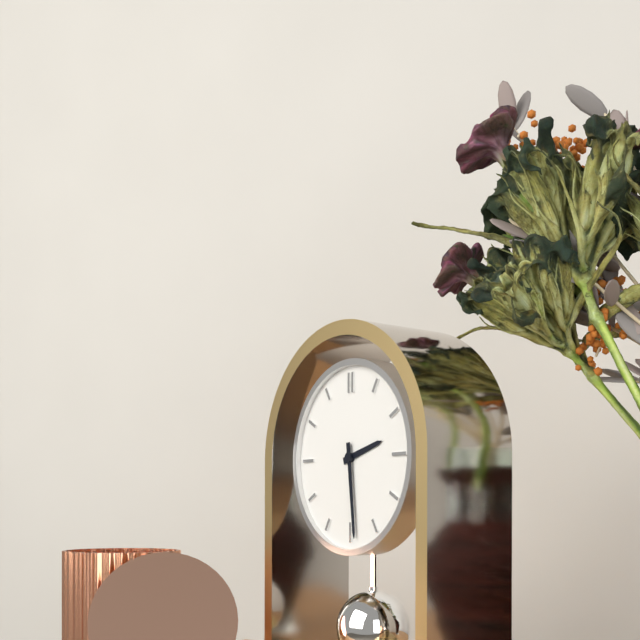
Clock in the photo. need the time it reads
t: 2:29
